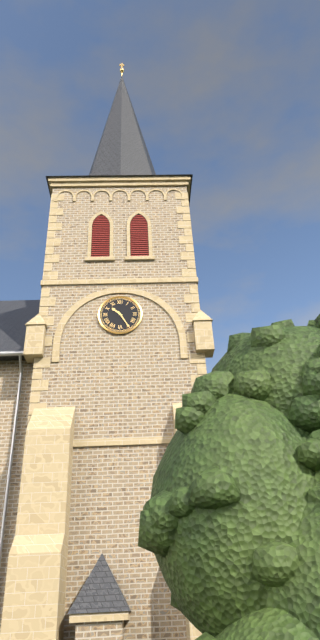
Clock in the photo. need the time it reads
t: 10:25
